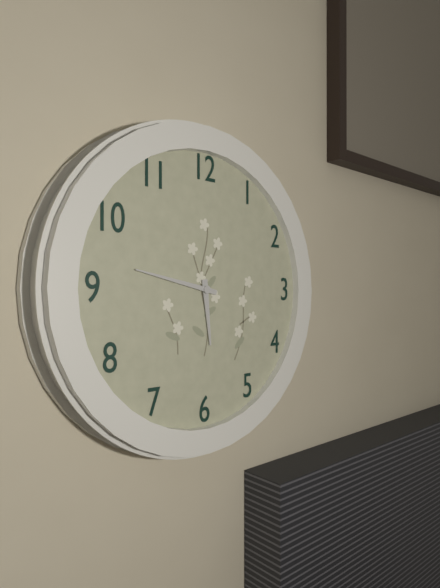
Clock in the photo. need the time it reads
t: 5:47
